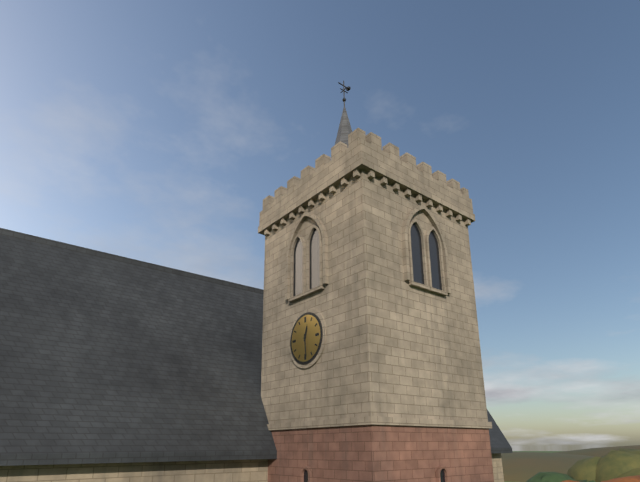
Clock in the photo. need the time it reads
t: 12:29
